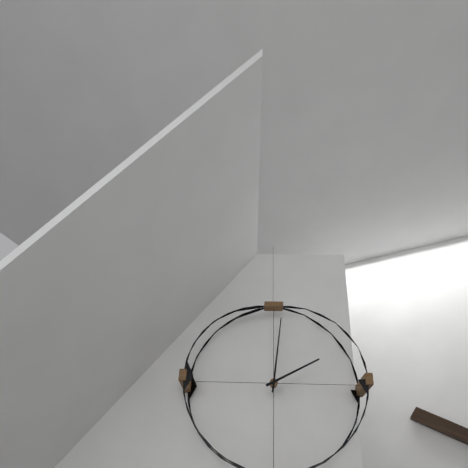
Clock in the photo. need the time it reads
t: 2:01
